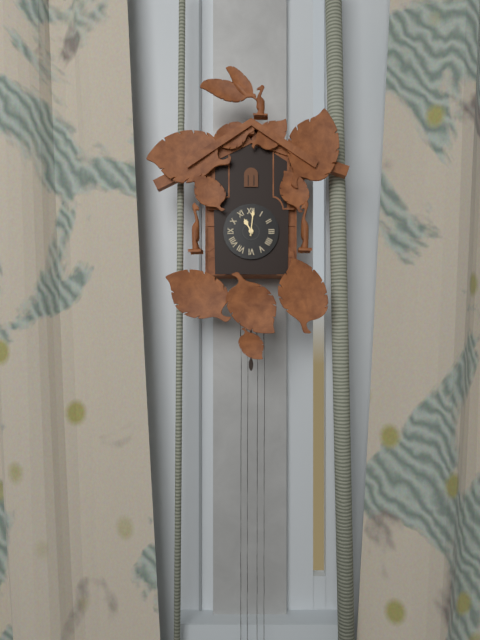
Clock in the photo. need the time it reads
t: 11:01
